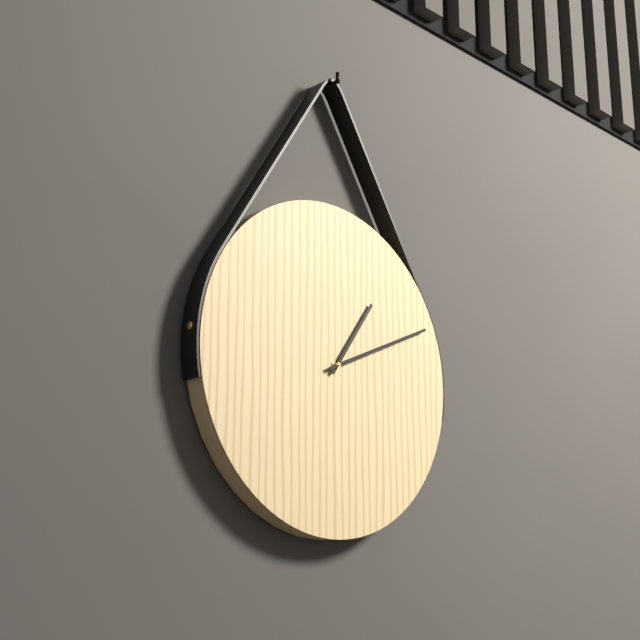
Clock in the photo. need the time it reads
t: 1:11
